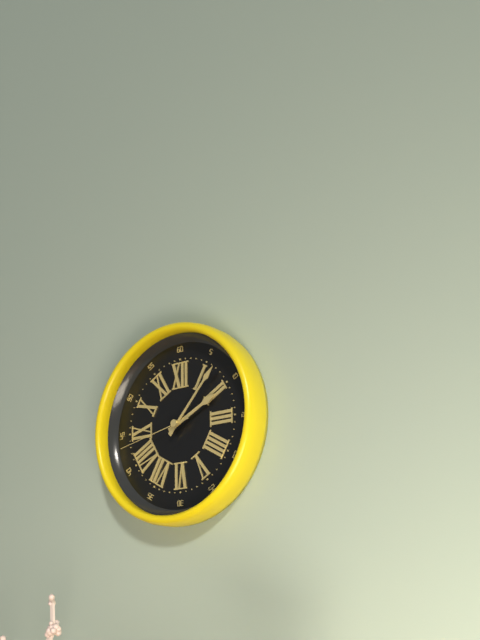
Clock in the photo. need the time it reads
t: 2:07:43
